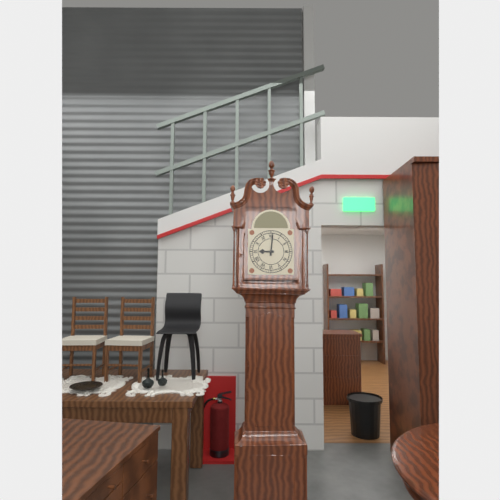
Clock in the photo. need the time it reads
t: 9:01
